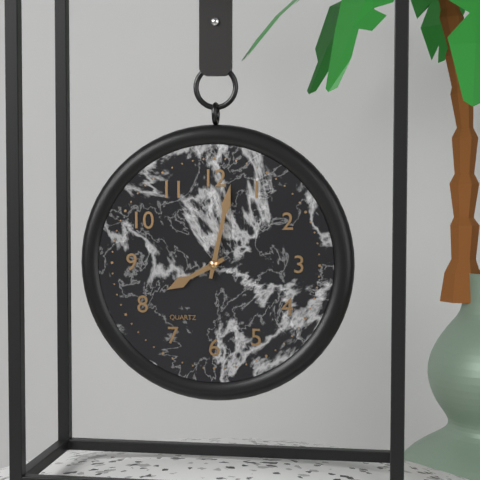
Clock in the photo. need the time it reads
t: 8:02
